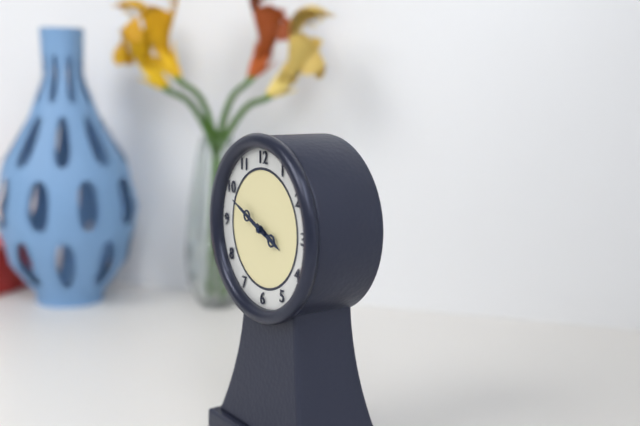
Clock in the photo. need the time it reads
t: 3:49
